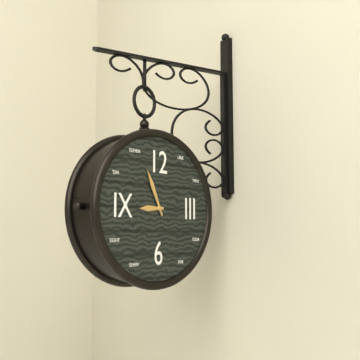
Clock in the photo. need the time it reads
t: 8:56
